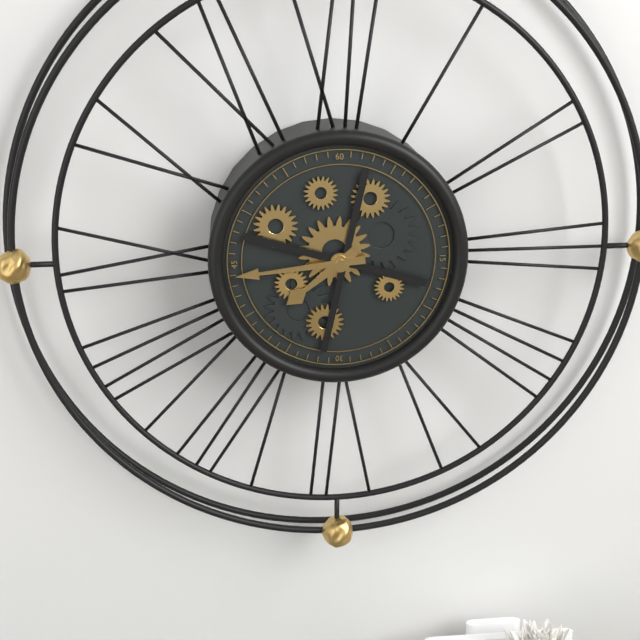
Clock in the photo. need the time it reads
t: 7:44
